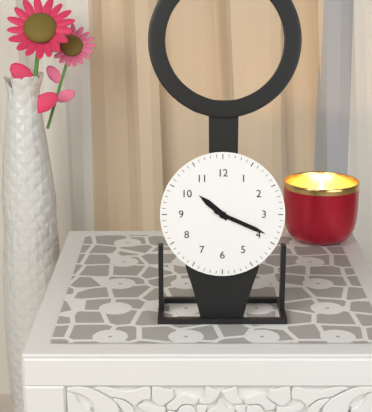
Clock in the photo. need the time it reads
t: 10:19
